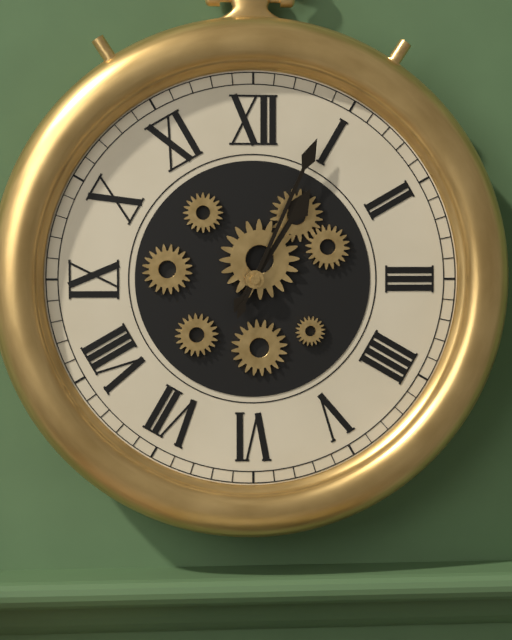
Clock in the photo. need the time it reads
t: 1:04
